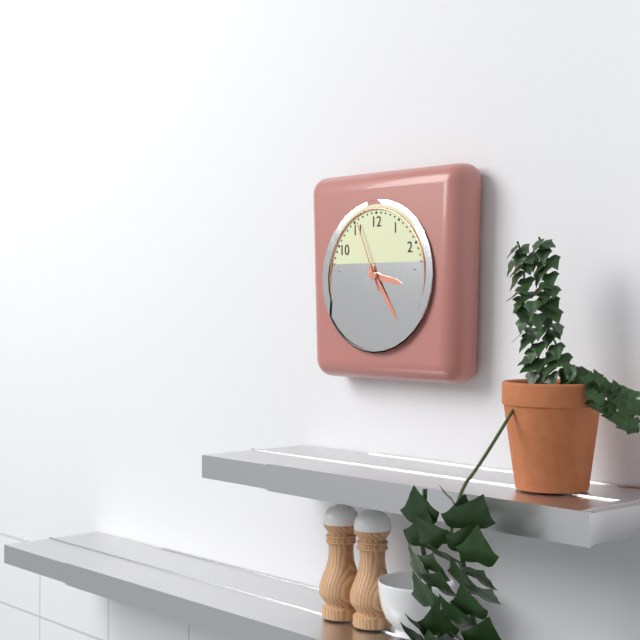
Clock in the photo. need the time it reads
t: 3:24:56
